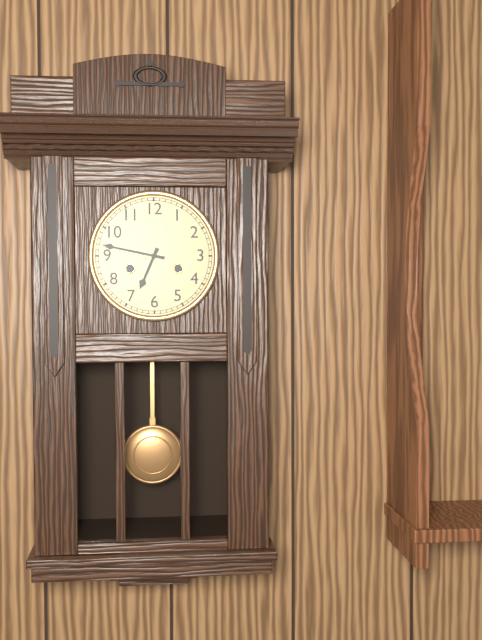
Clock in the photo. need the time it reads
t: 6:47
